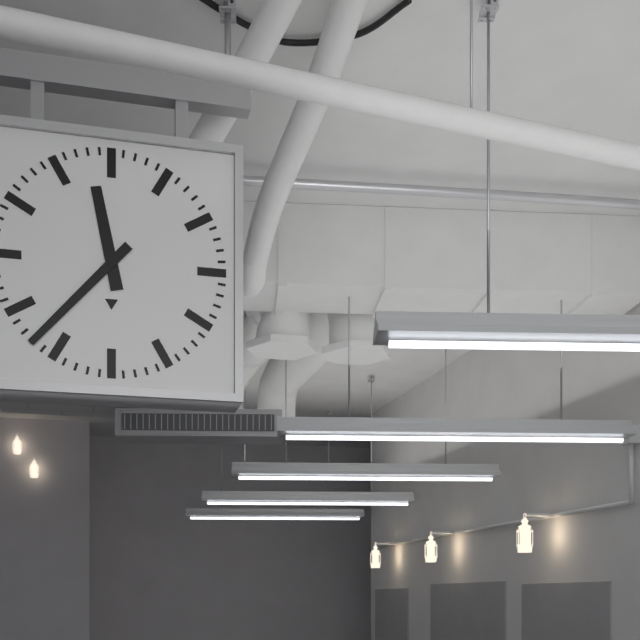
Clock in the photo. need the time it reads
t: 11:37
